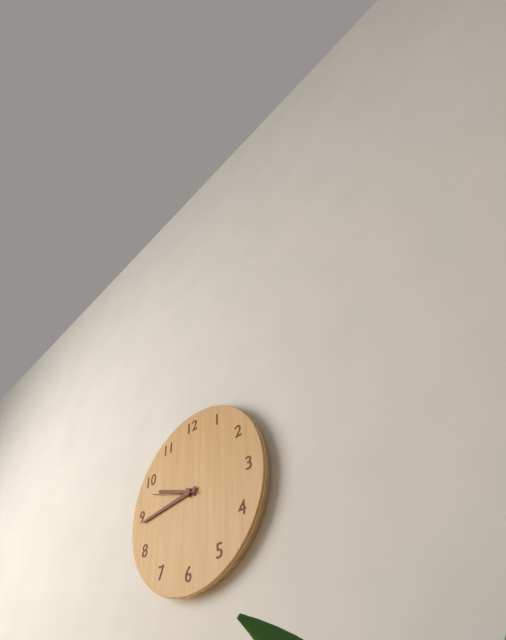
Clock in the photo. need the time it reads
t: 9:44
